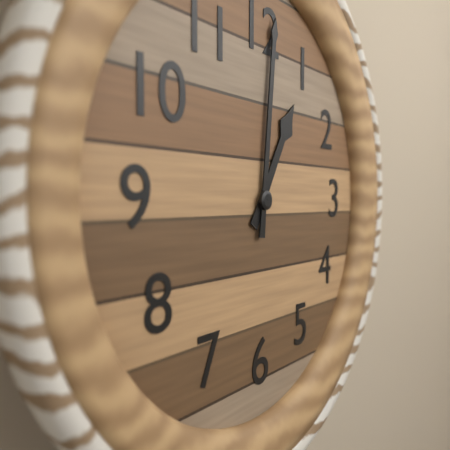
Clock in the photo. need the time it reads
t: 1:01
